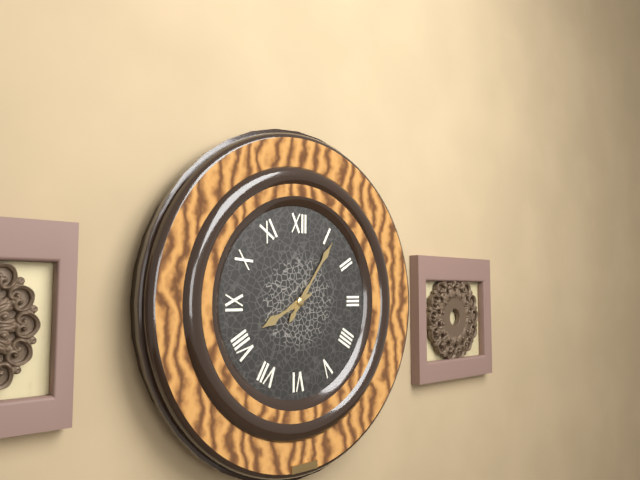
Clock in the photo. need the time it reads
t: 8:06
